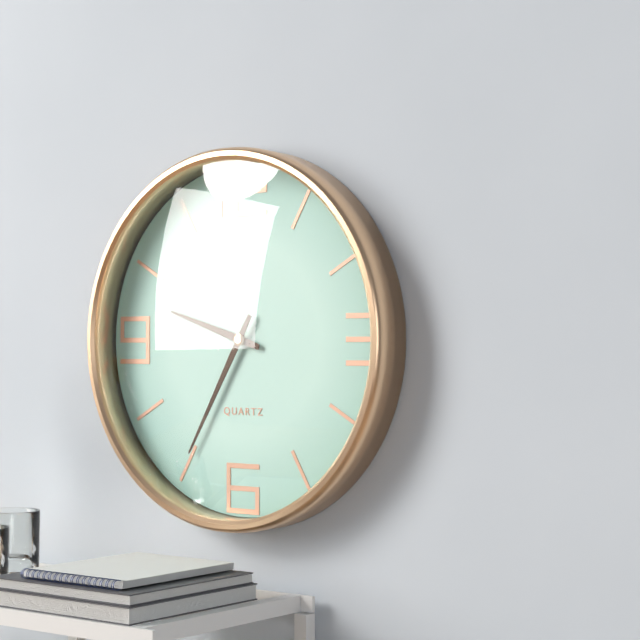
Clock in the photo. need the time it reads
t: 9:35
